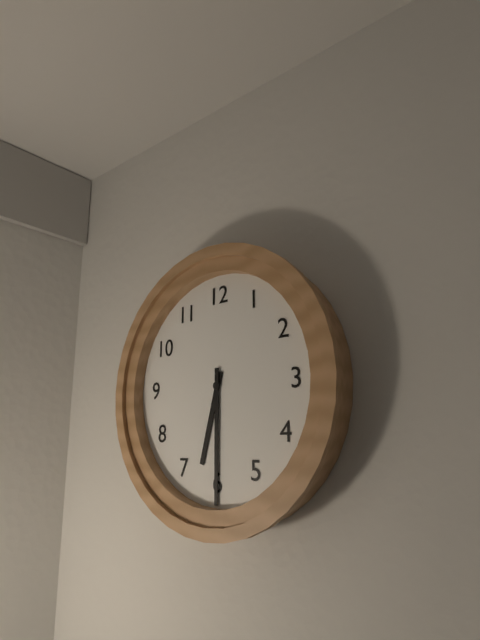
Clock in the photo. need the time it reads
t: 6:30
